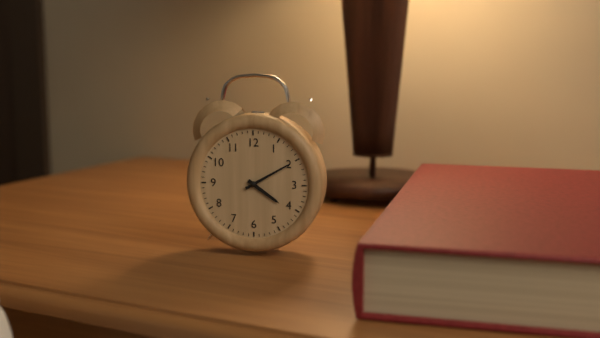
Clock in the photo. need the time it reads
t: 4:10
